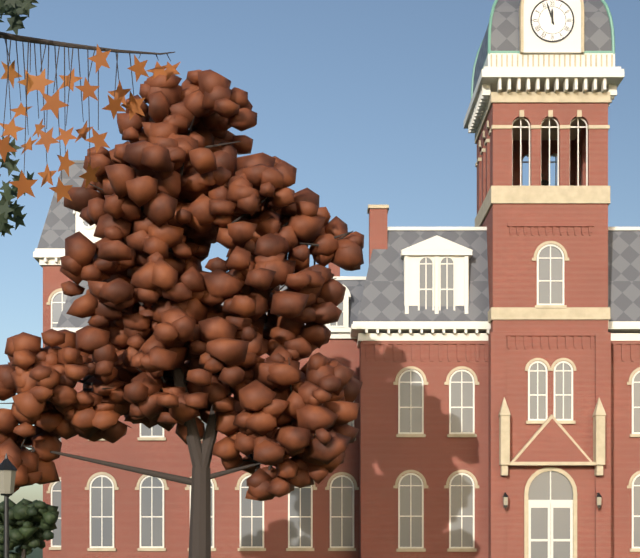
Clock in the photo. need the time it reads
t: 11:57
